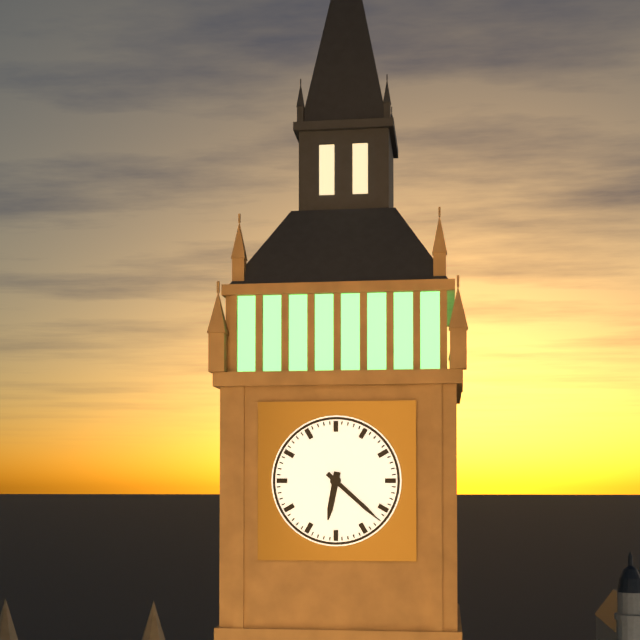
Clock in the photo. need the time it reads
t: 6:22
